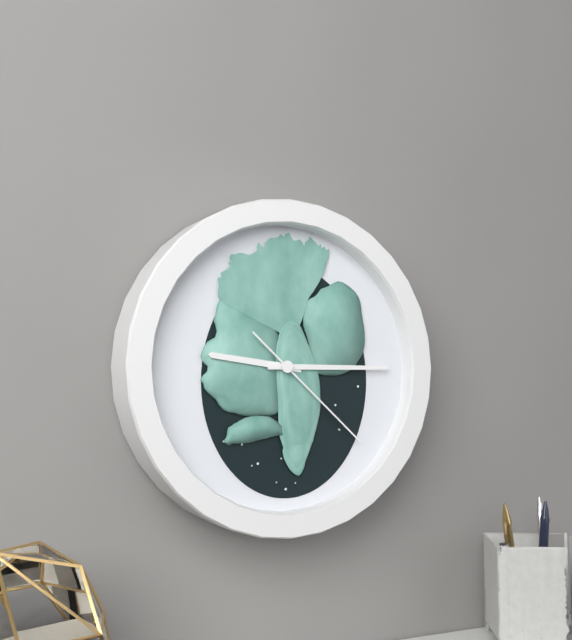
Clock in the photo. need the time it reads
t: 9:15:22
